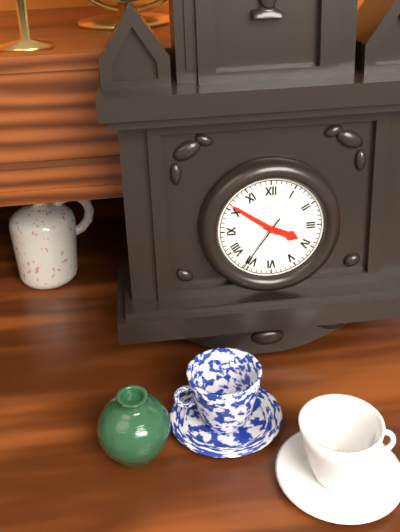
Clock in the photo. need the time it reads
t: 3:51:36
